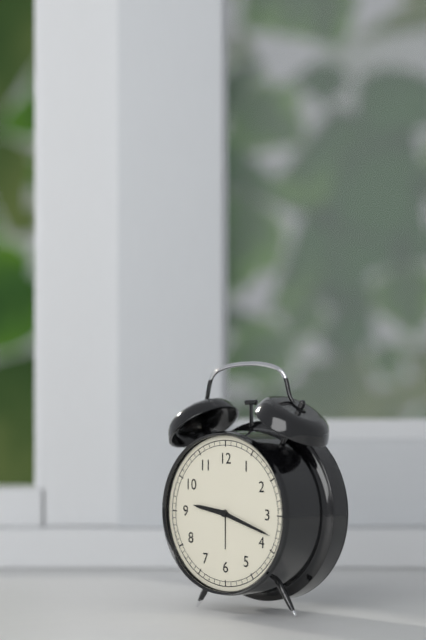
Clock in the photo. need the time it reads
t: 9:18
